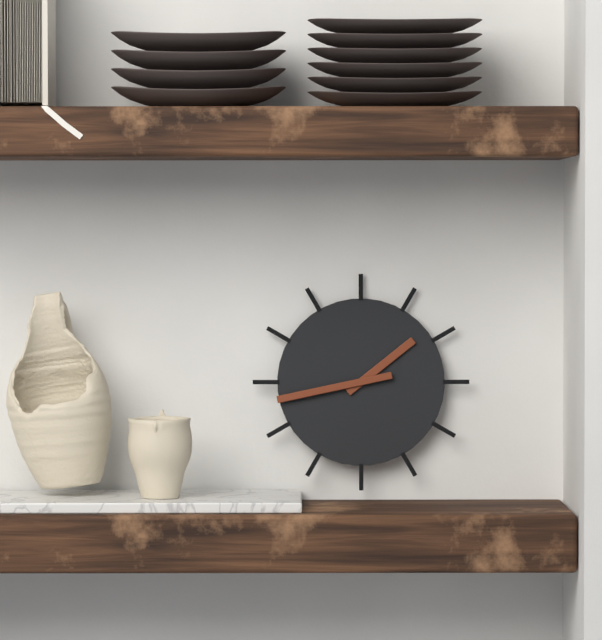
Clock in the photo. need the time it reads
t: 1:43
